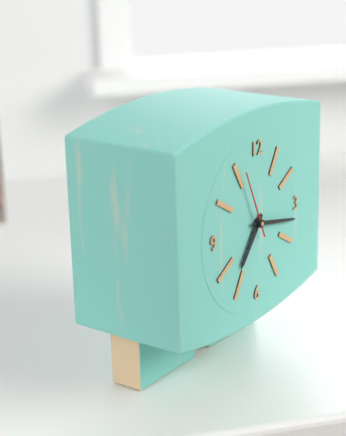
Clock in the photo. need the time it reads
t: 7:17:56
